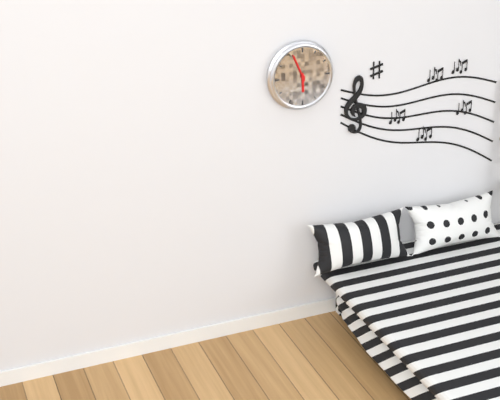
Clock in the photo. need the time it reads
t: 5:56
